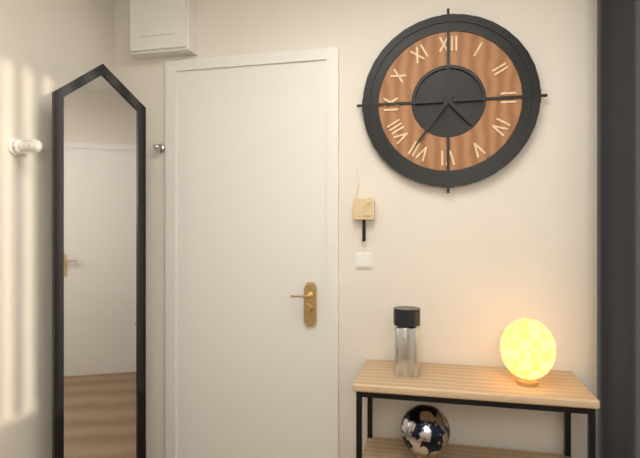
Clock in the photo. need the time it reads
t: 4:36
